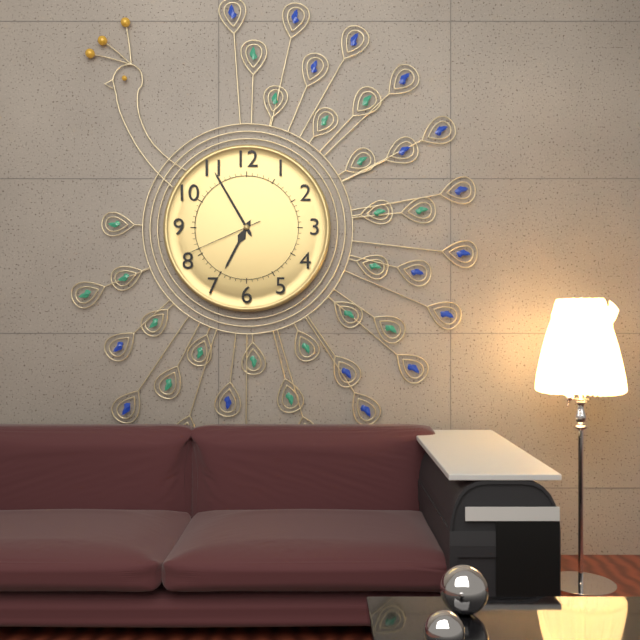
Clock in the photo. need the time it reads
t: 6:55:41
